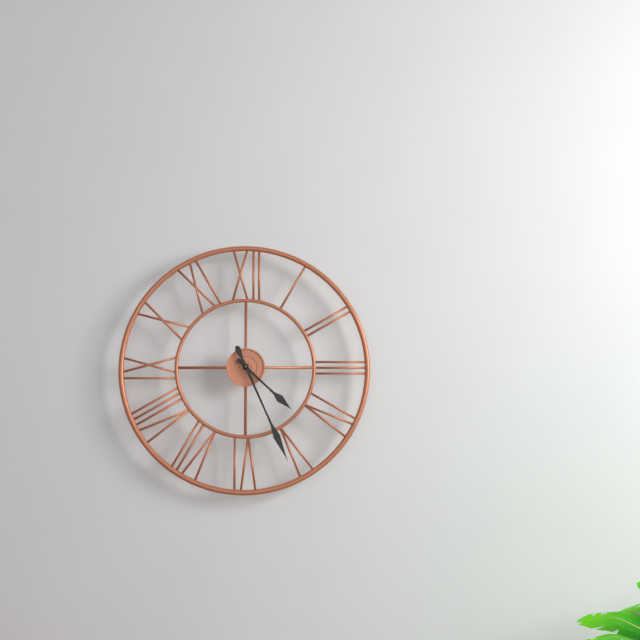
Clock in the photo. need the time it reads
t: 4:26
